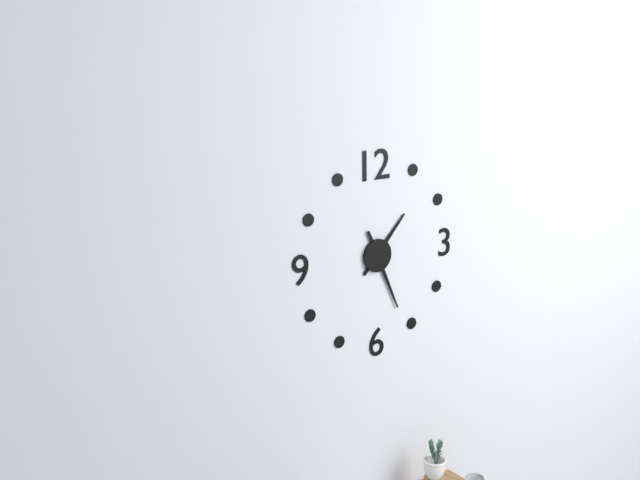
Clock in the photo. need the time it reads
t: 1:26
